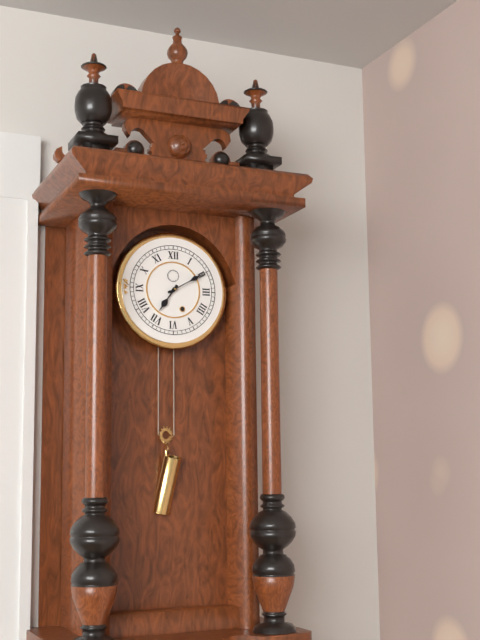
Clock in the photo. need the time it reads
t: 7:10
